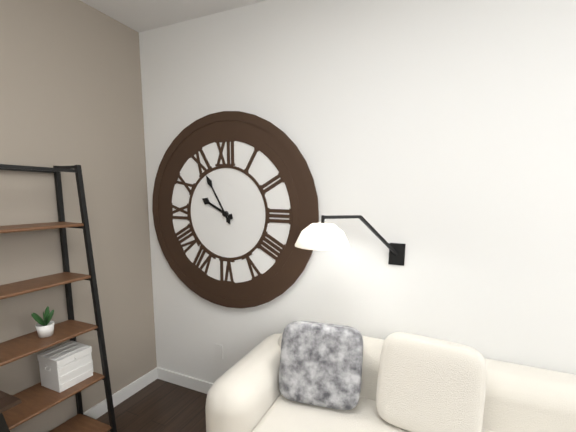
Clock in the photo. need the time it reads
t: 9:55
